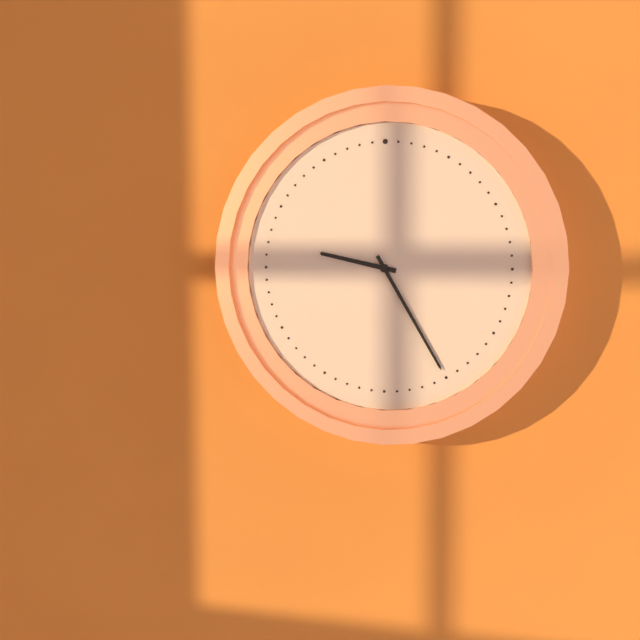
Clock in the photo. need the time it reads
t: 9:25
